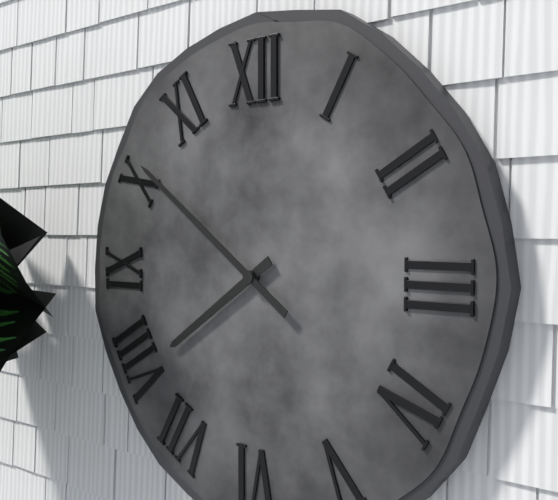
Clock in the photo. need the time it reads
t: 7:51
